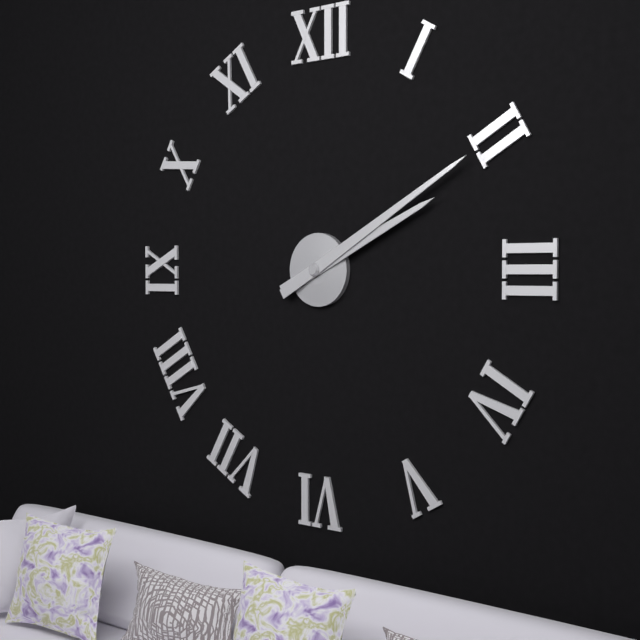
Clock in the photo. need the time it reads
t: 2:10
